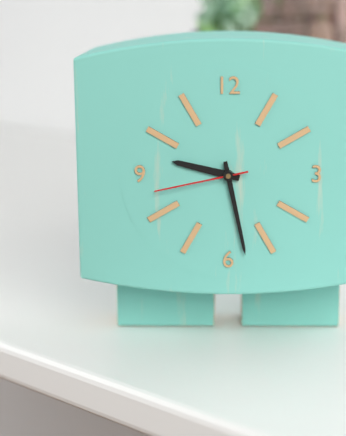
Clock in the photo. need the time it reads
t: 9:28:43
